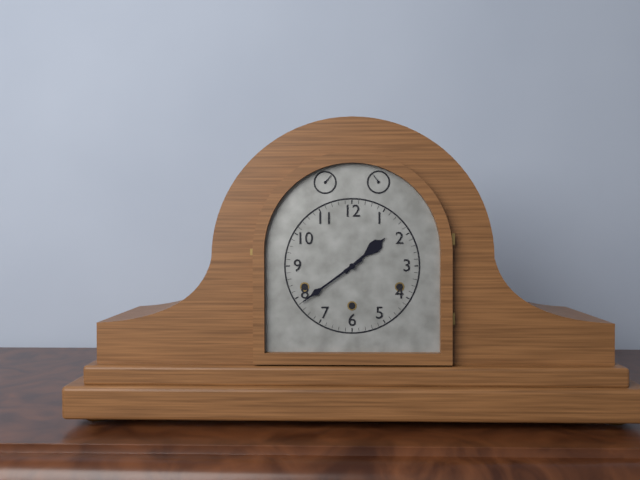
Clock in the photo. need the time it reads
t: 1:39
